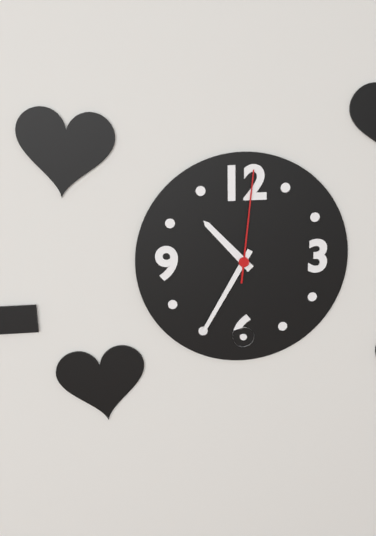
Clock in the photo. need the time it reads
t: 10:35:01
